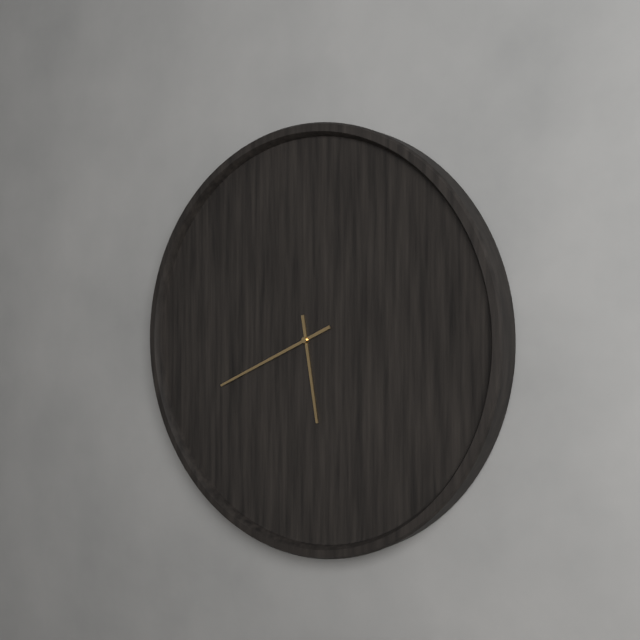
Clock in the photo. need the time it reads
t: 5:41
